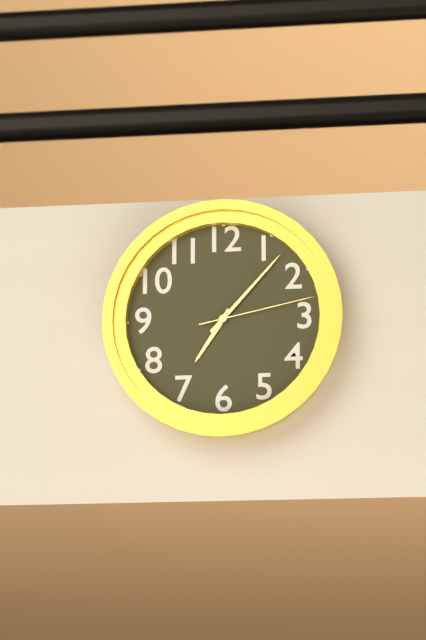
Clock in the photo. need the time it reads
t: 7:07:13
